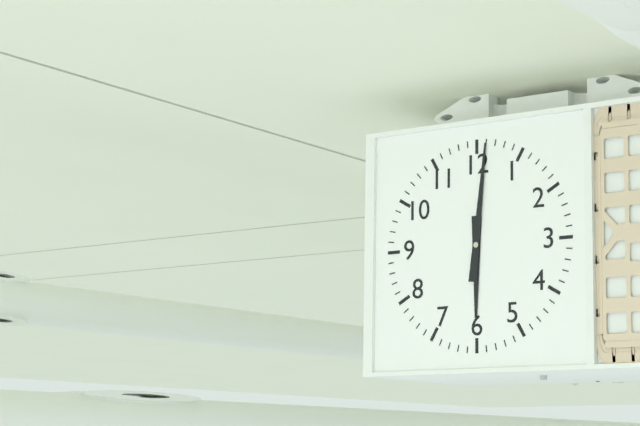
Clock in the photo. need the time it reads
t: 6:01
